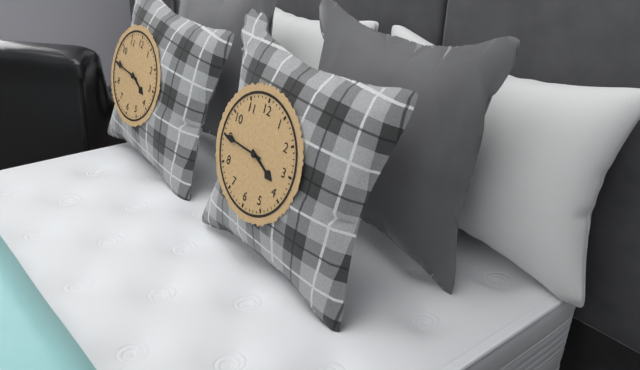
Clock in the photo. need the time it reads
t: 3:45
